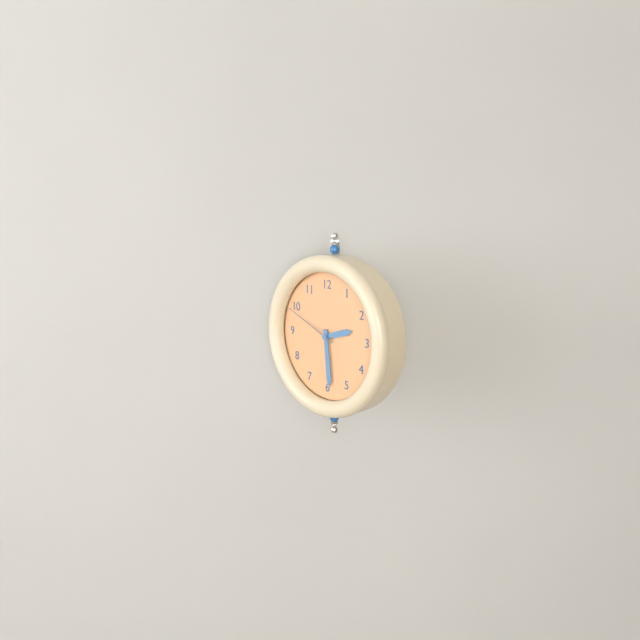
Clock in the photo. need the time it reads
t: 2:29:49
